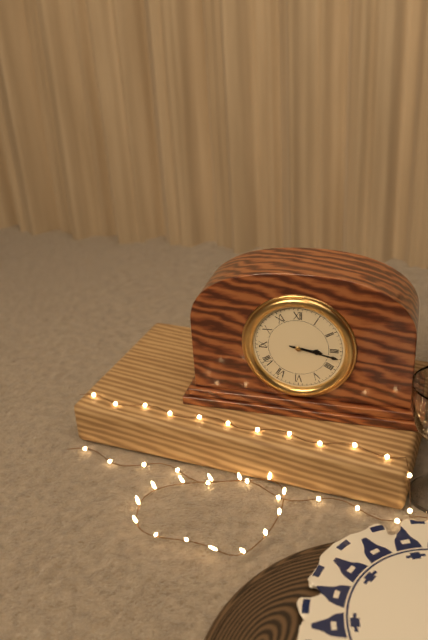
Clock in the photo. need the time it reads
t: 3:17
